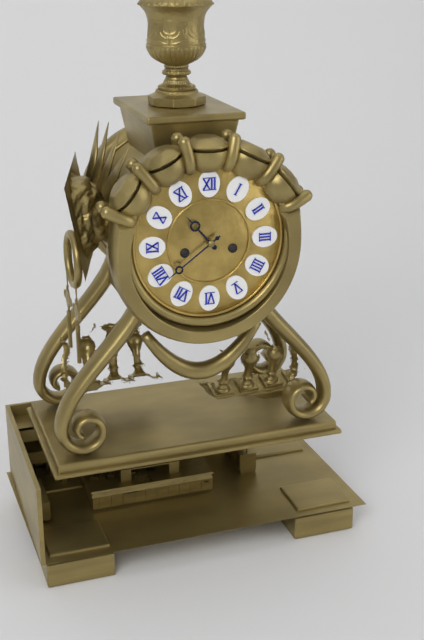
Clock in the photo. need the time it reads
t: 10:39
